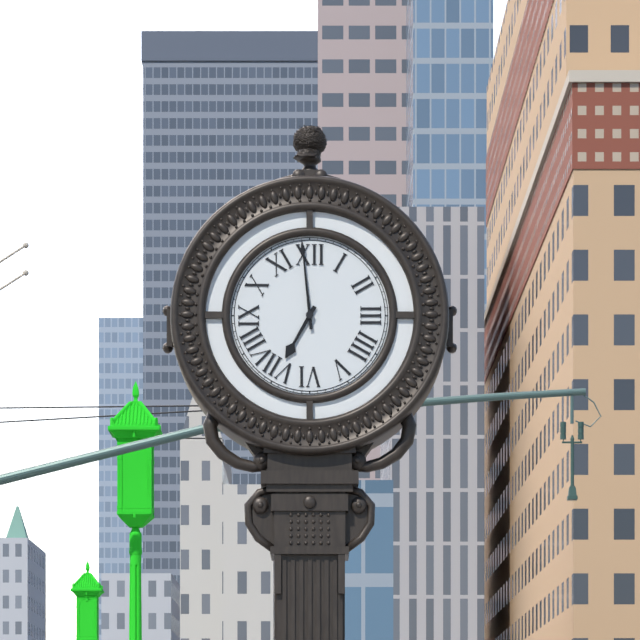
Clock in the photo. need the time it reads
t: 6:59
